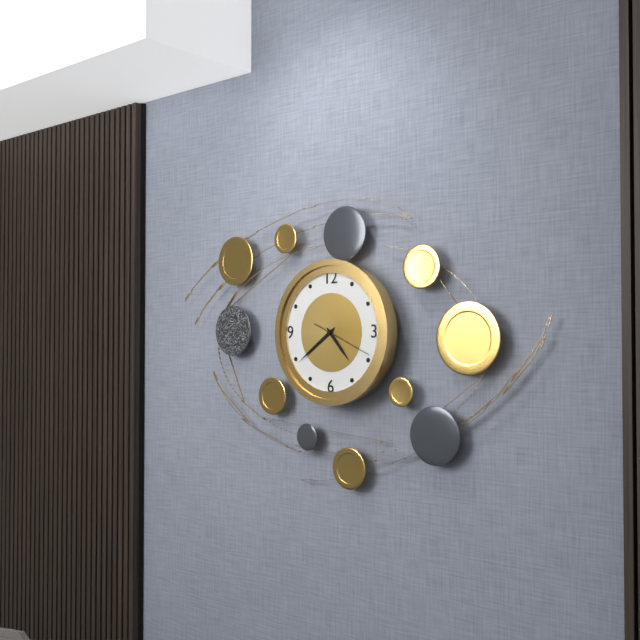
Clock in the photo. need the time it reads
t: 4:39:19
